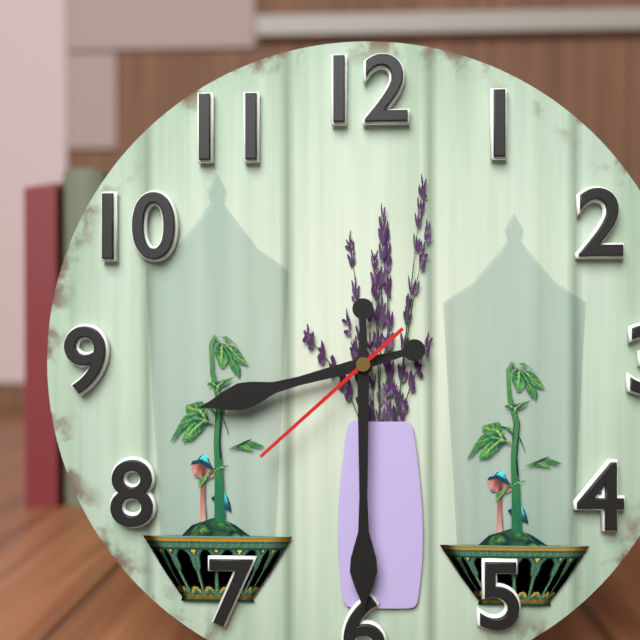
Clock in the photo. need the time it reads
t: 8:30:38
